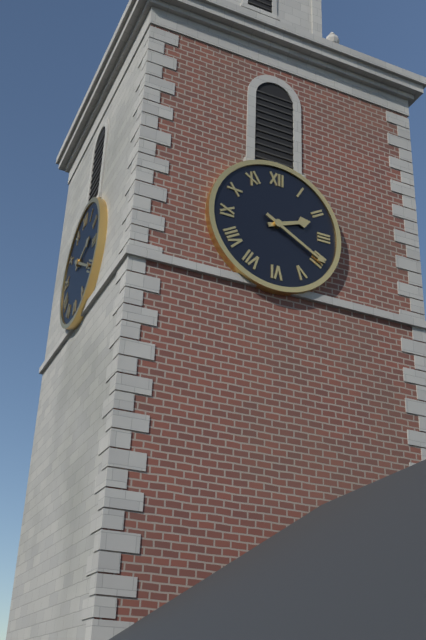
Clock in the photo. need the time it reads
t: 2:20
